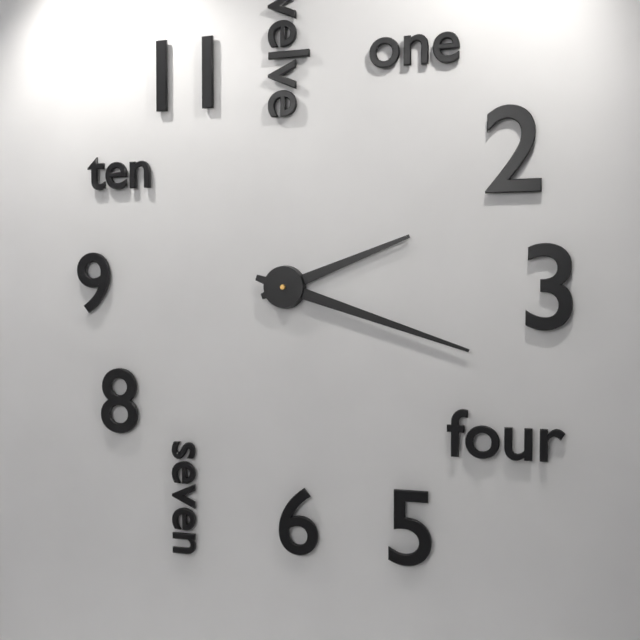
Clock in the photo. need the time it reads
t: 2:18
